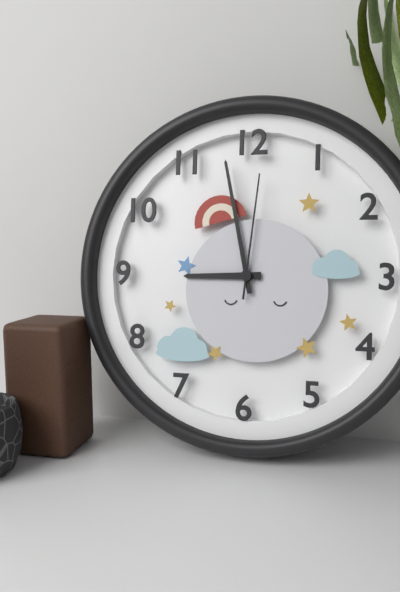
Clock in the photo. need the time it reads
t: 8:58:01
